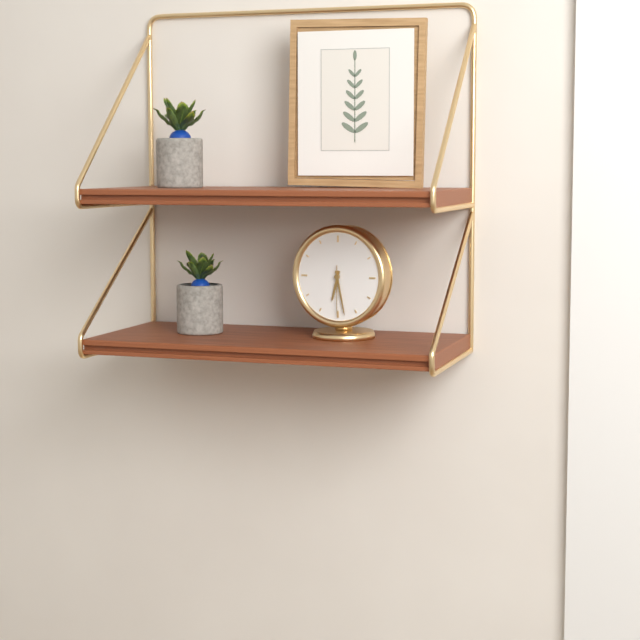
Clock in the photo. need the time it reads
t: 6:28:30
